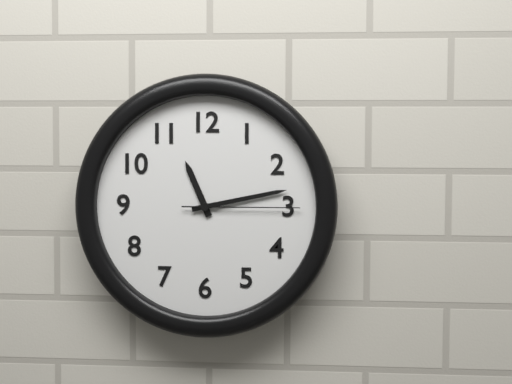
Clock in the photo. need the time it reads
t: 11:13:15
